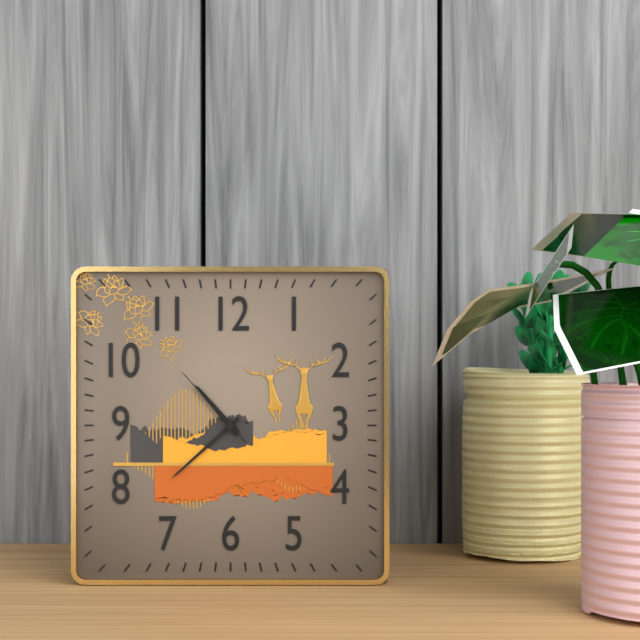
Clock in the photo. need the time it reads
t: 10:38:53
